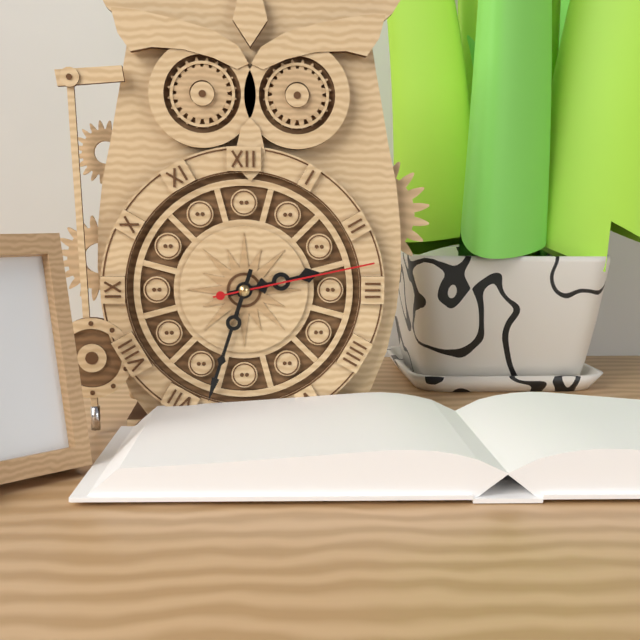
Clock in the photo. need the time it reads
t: 2:33:13
